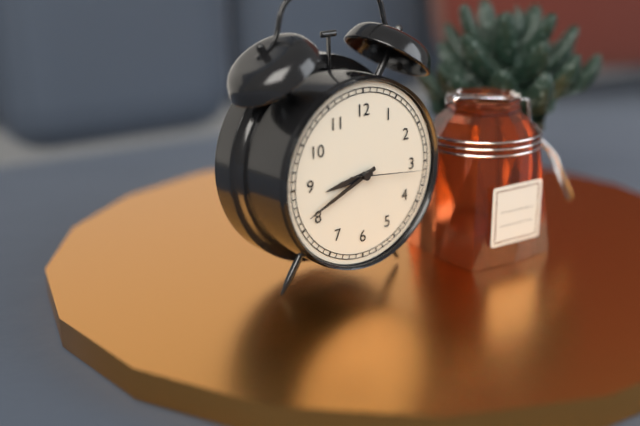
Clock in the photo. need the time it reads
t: 8:41:16
